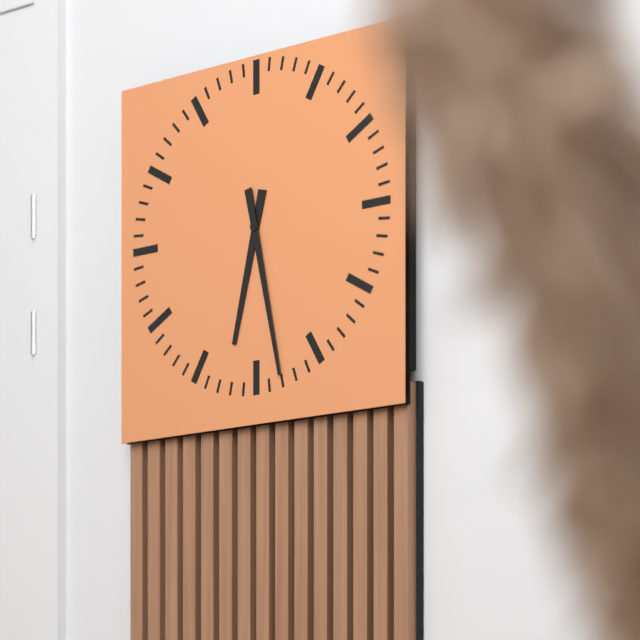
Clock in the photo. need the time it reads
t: 6:28
